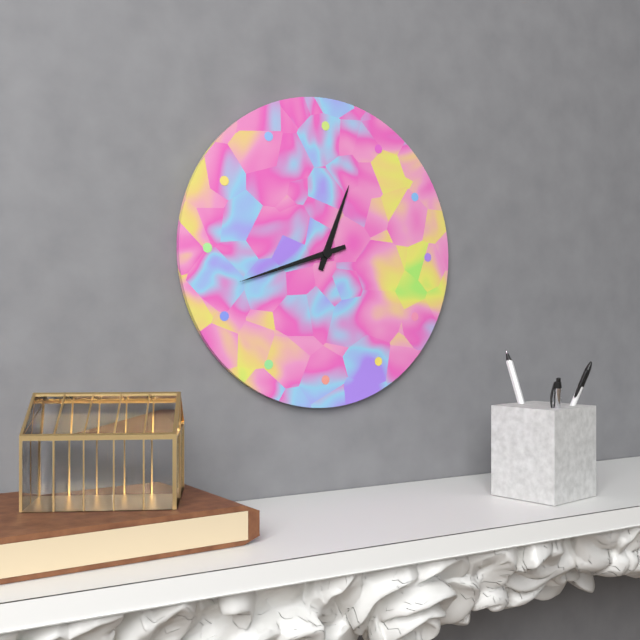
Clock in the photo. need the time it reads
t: 12:42
